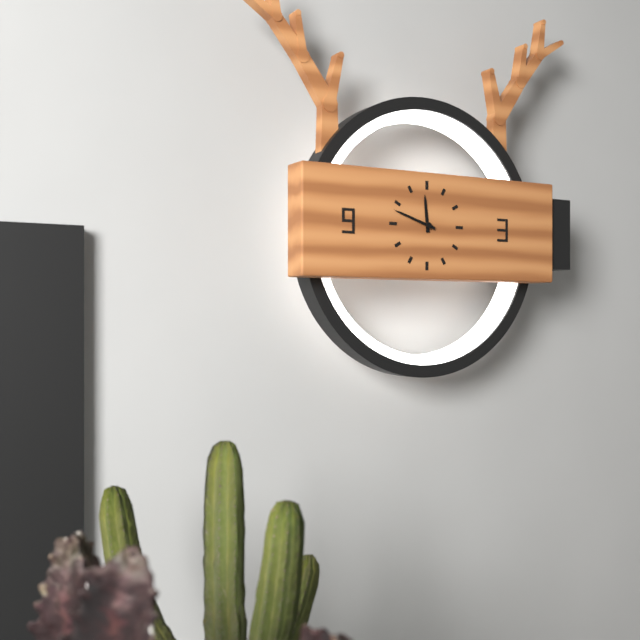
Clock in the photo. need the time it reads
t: 11:48
